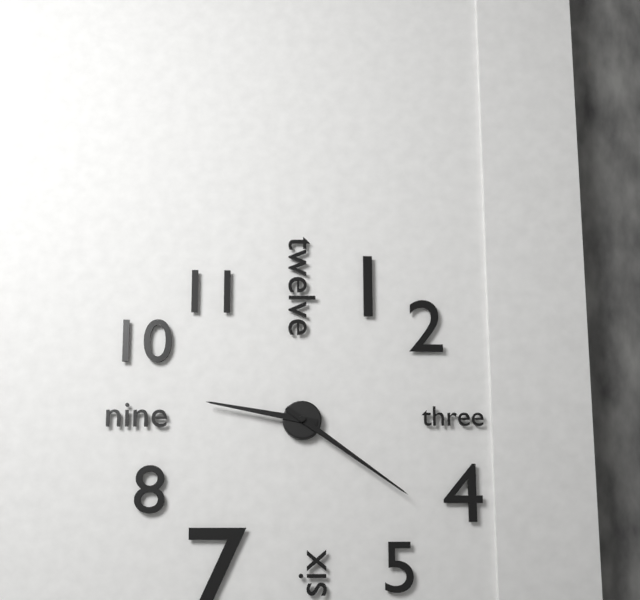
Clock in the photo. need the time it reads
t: 9:21
